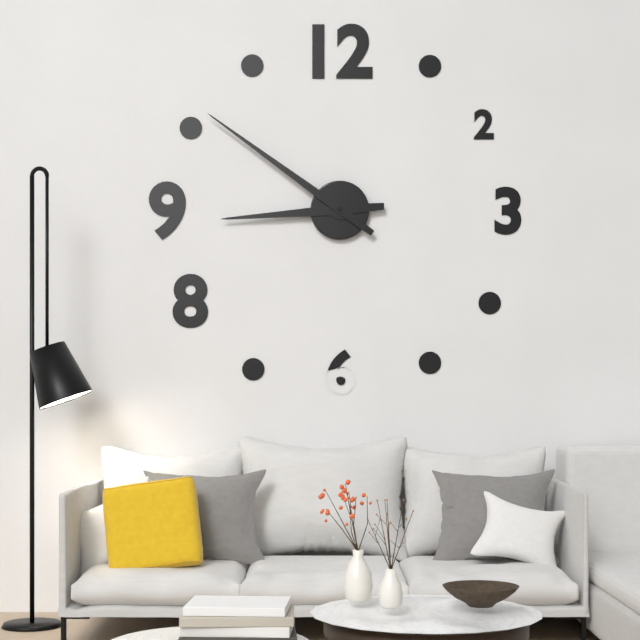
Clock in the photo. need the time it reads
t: 8:51
